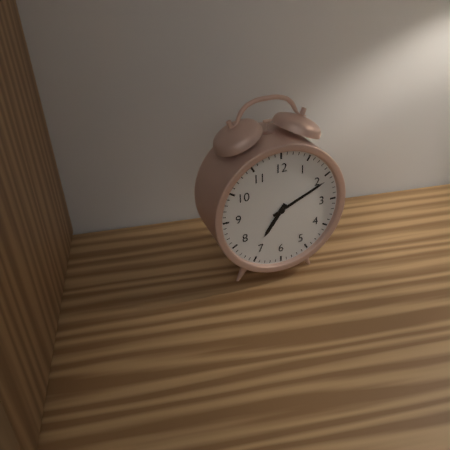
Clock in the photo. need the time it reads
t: 7:11
